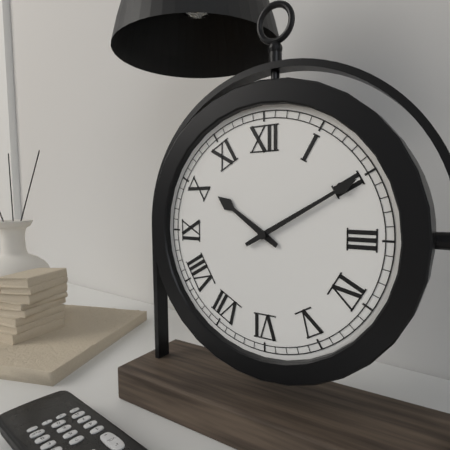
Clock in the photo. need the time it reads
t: 10:10
